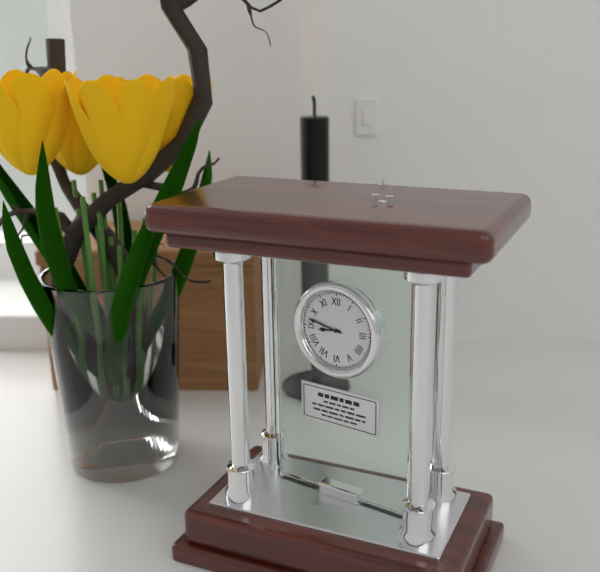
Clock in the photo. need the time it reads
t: 8:47
